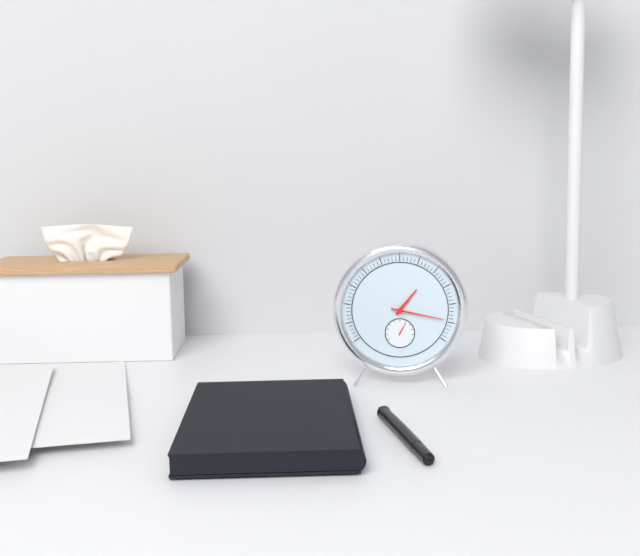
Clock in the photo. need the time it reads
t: 1:17
